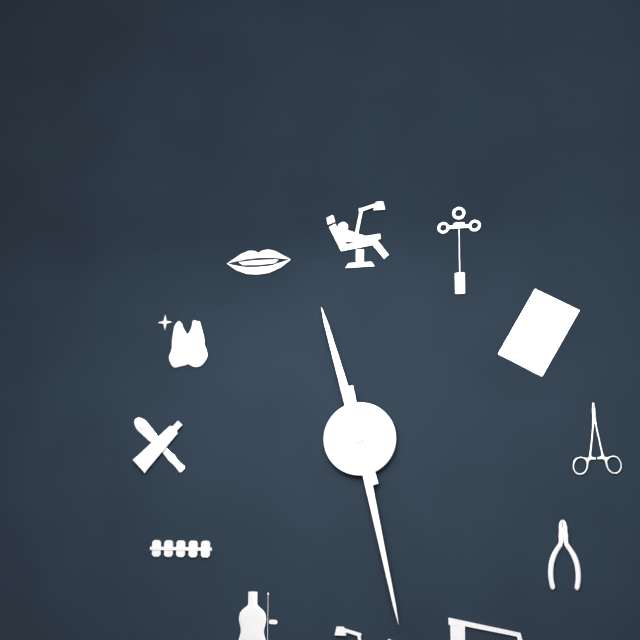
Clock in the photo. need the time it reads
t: 11:28
